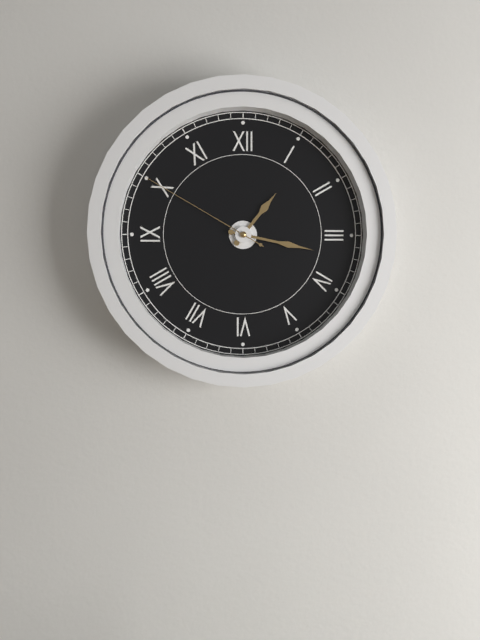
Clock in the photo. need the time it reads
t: 1:17:50
